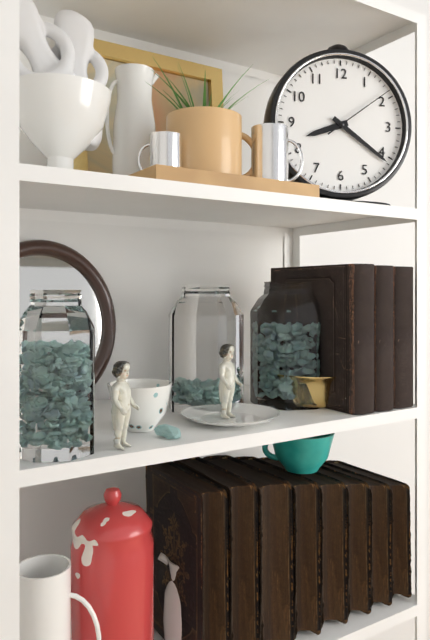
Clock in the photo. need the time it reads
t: 8:21:09
